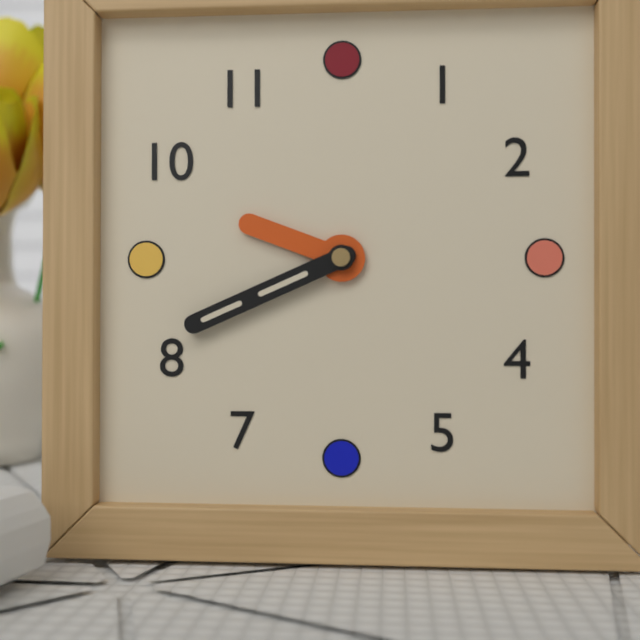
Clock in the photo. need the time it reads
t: 9:41
